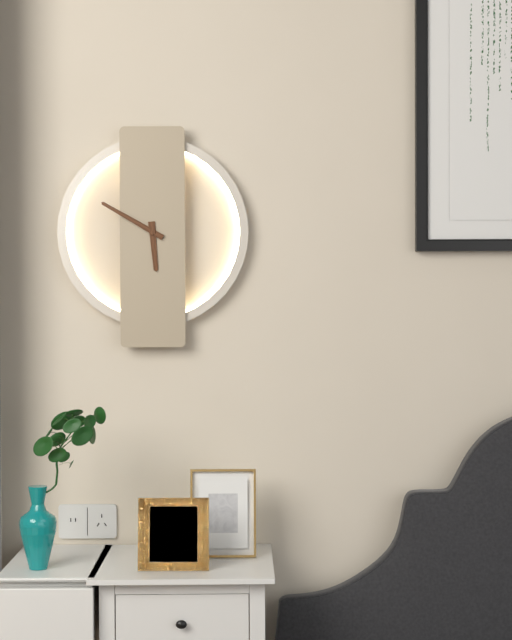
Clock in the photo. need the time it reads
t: 5:50
